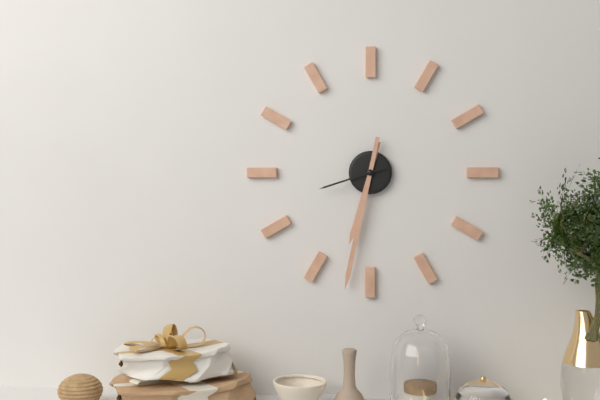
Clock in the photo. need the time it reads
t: 6:32:42
